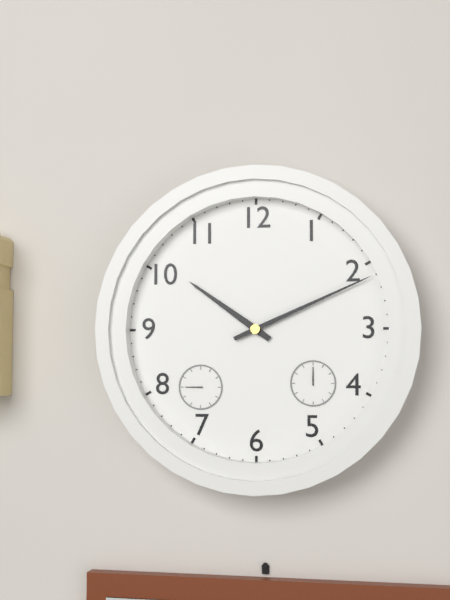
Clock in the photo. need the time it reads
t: 10:11
